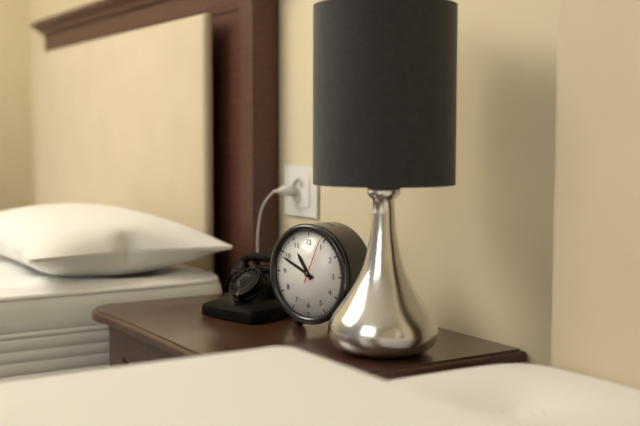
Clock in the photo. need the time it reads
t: 10:49
